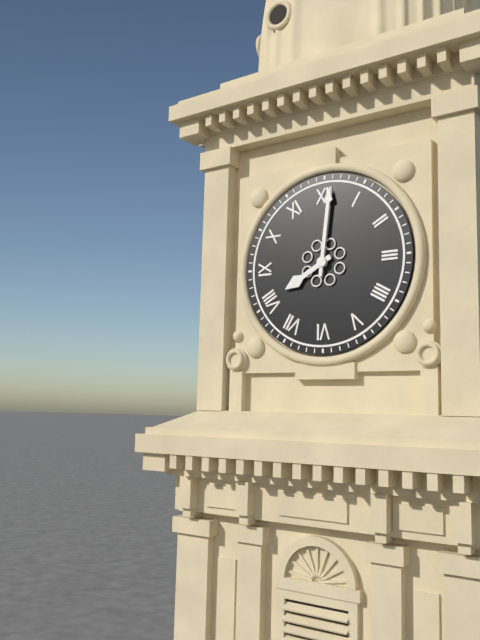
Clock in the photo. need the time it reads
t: 8:01
